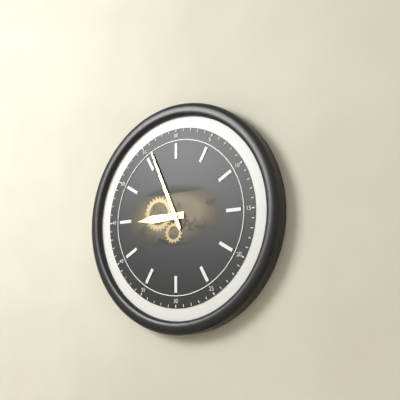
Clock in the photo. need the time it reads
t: 8:56
